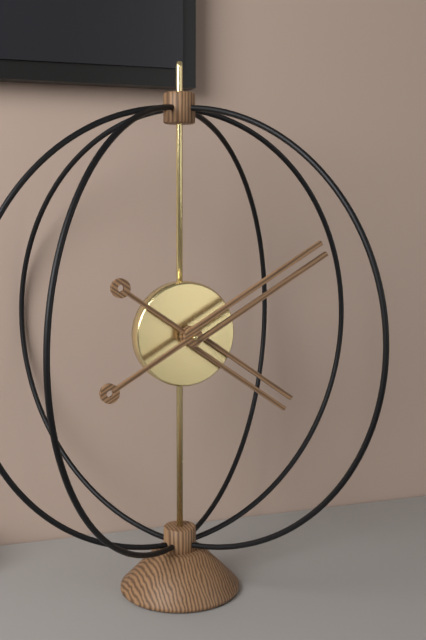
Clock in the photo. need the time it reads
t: 4:10
